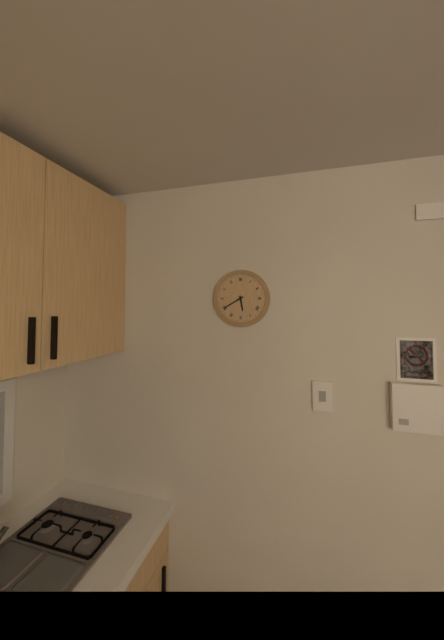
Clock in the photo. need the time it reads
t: 5:40
